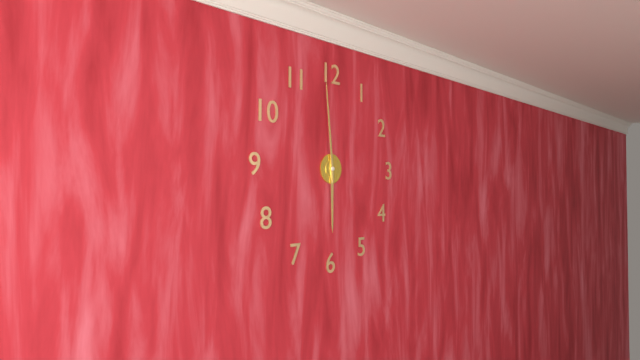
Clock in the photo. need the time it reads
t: 5:59
